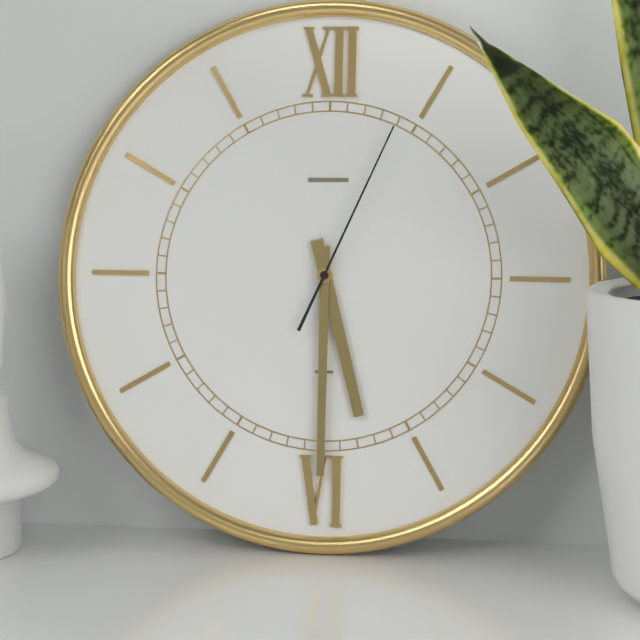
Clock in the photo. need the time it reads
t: 5:30:04
